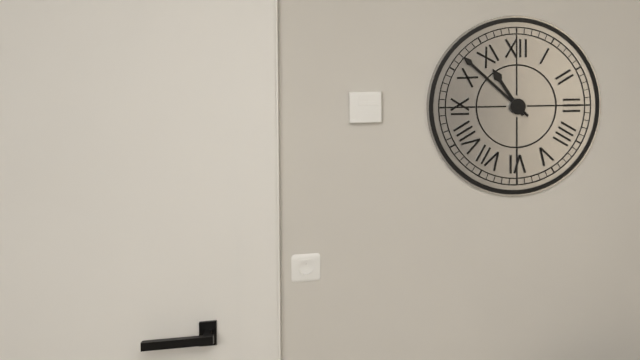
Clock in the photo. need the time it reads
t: 10:52
